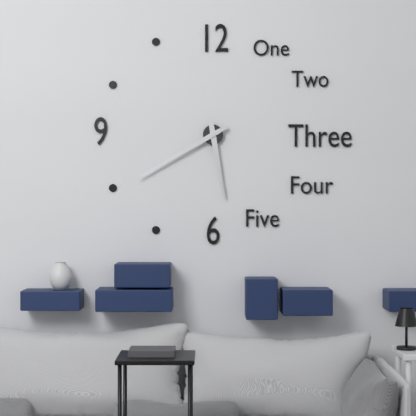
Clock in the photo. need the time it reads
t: 5:40
